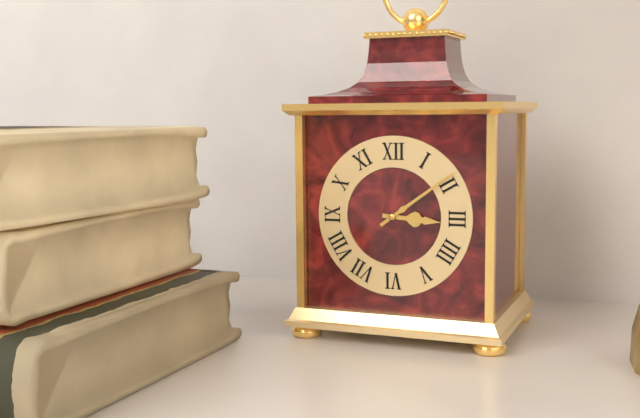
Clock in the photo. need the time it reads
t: 3:09
